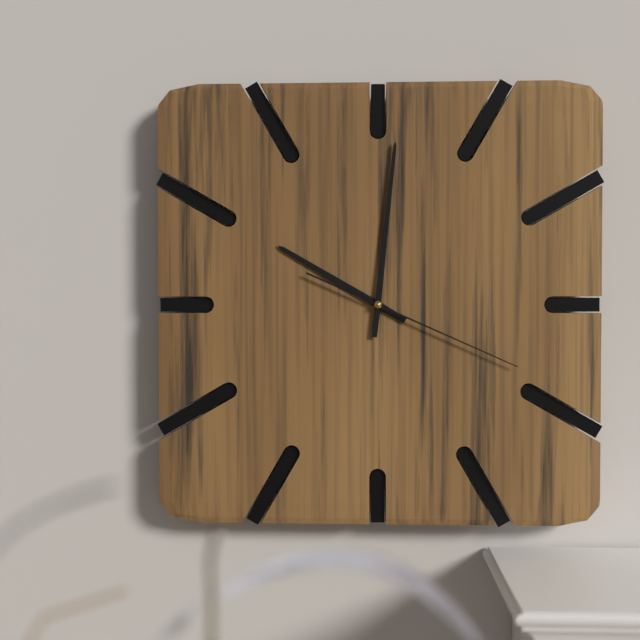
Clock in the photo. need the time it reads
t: 10:01:19
